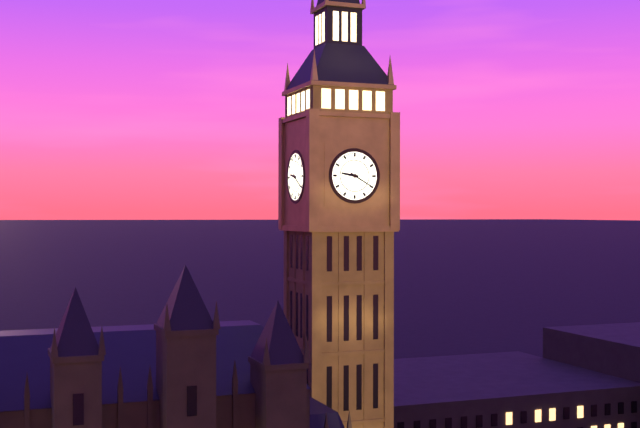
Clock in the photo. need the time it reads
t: 9:20
